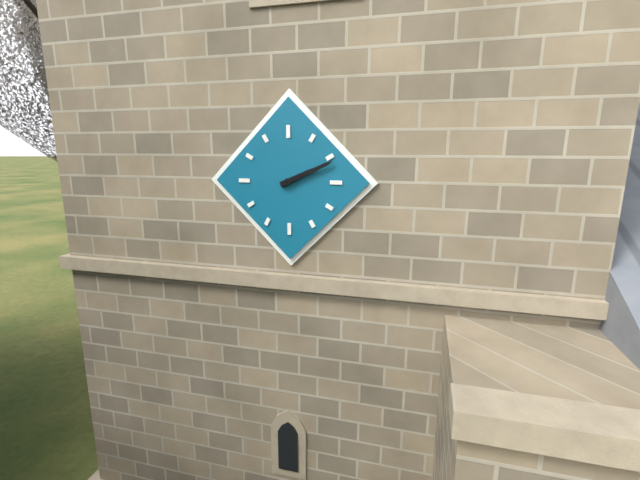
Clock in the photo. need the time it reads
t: 2:11
